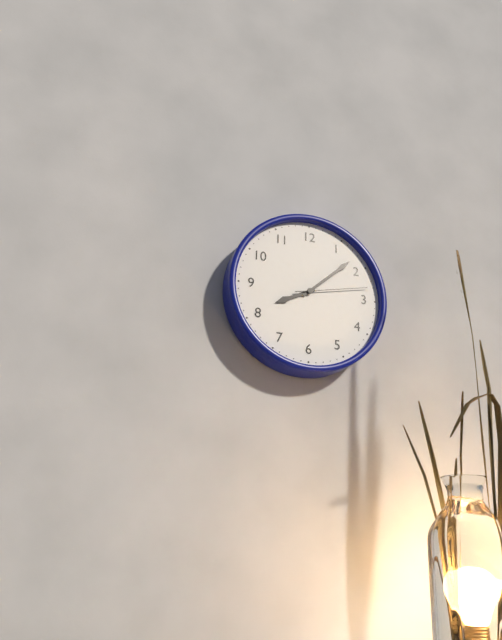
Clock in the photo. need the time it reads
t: 8:08:13
